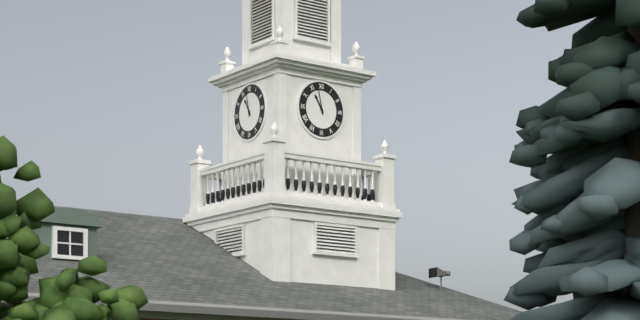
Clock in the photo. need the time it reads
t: 10:58
